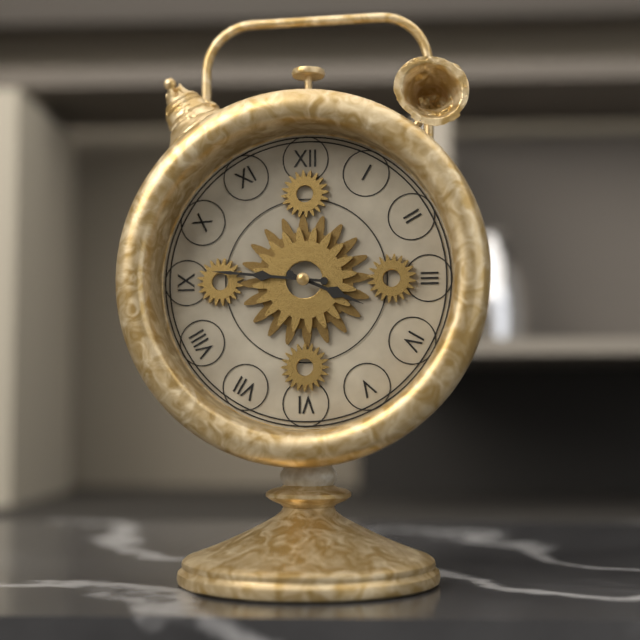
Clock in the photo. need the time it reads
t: 3:46
